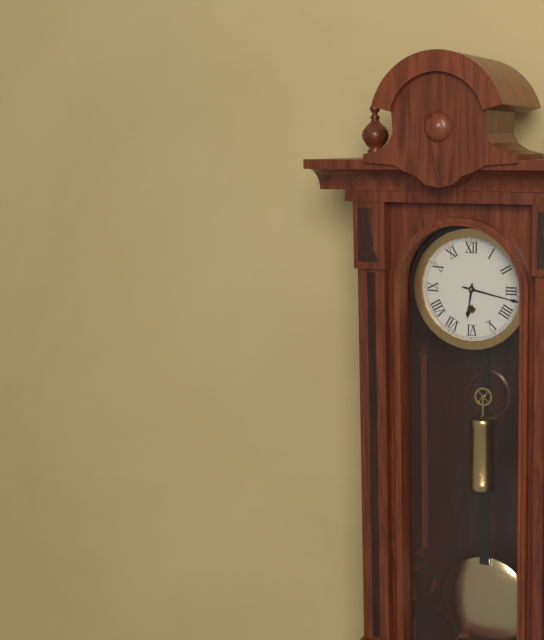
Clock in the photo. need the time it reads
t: 6:17
